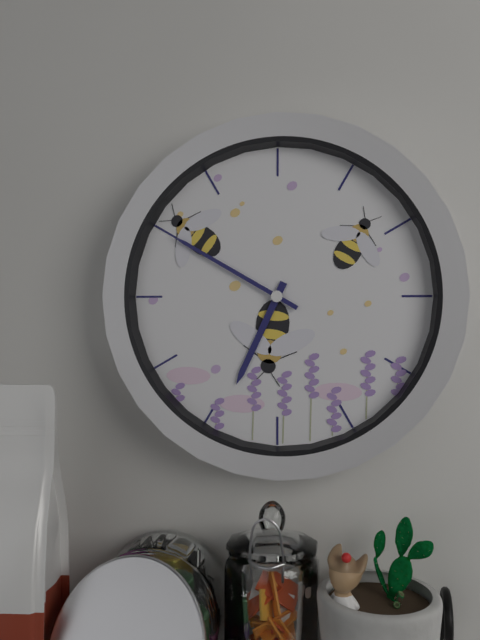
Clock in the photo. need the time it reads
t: 6:50
